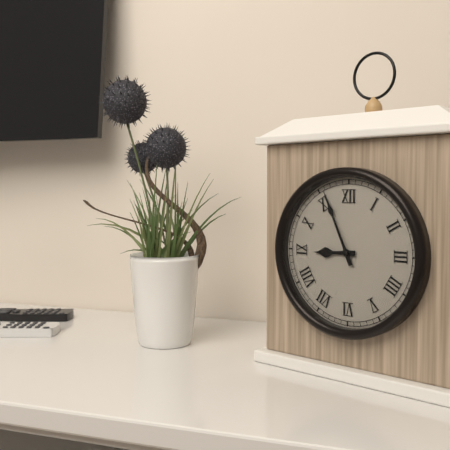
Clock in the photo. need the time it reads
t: 8:56
